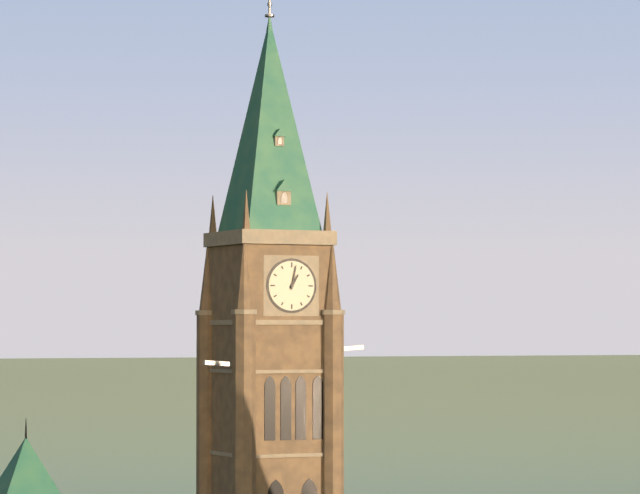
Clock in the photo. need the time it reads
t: 1:02
